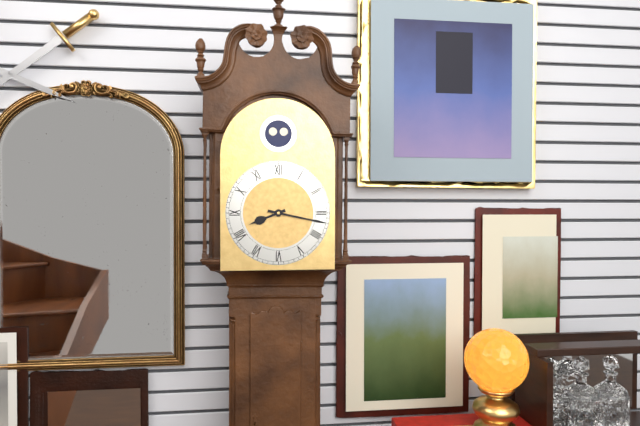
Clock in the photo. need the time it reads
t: 8:17
